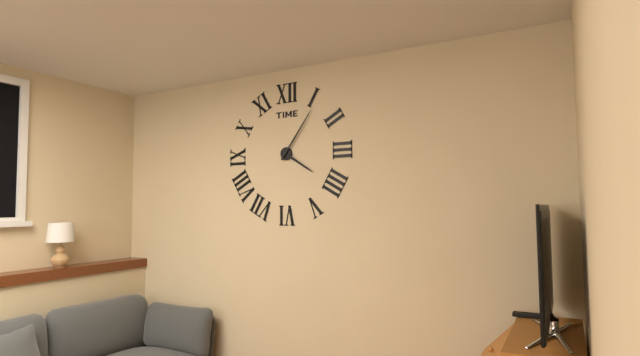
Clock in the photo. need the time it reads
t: 4:06
